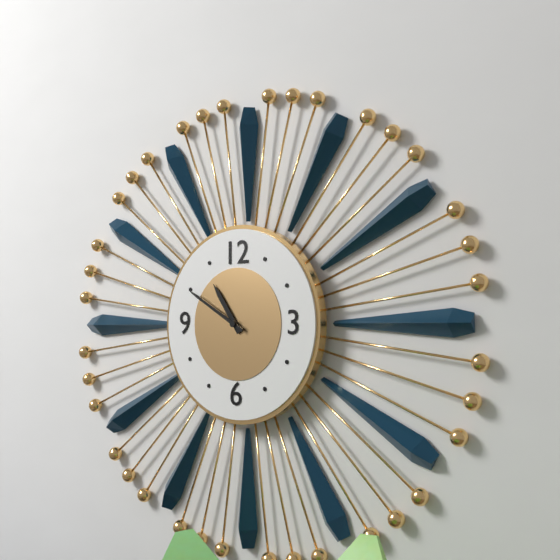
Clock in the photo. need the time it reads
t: 10:50
